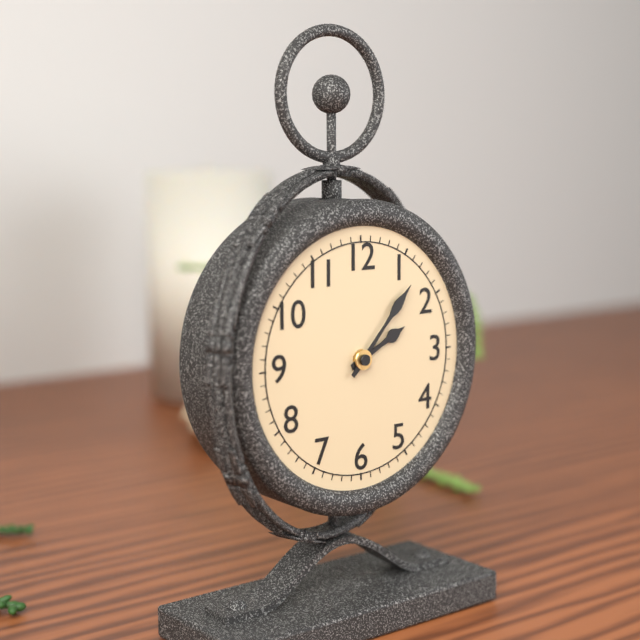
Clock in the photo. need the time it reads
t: 2:07
